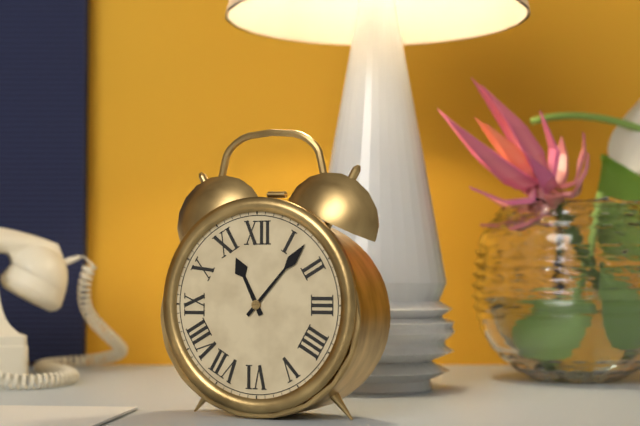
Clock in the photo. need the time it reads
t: 11:07
